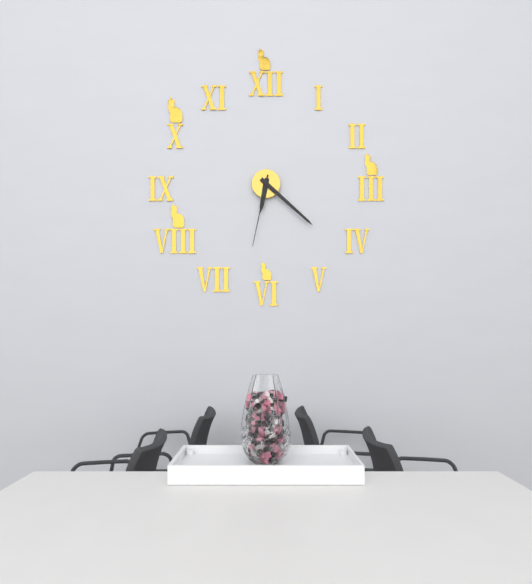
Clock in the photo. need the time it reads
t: 6:22:32
